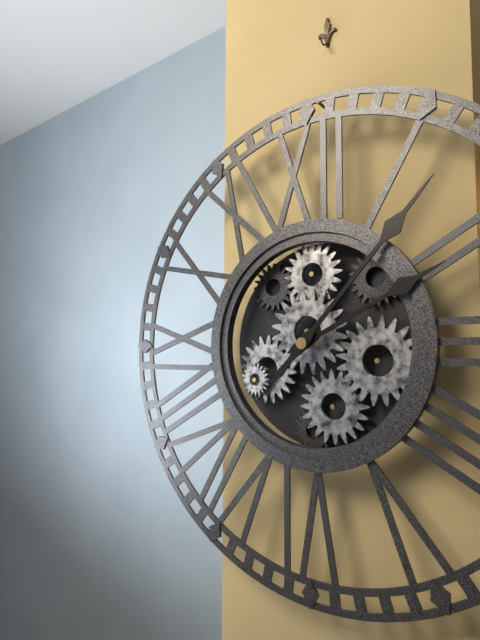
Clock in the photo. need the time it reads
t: 2:07
